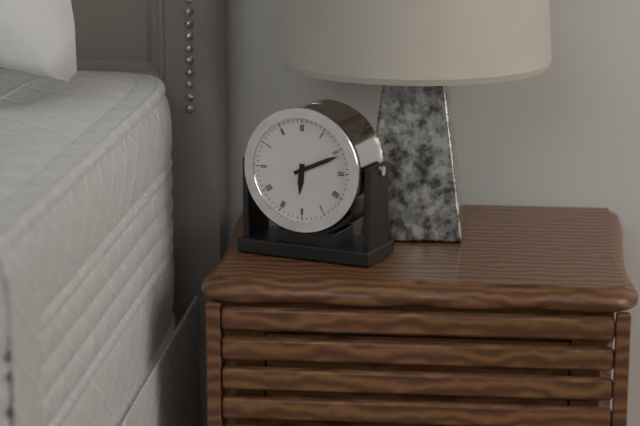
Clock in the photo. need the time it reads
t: 6:11
